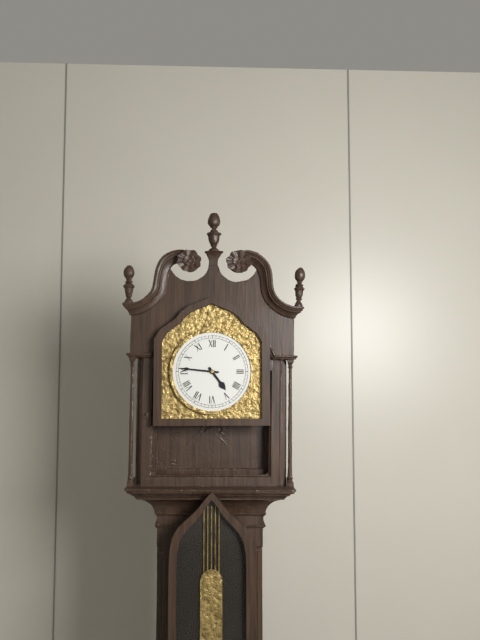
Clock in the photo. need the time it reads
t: 4:46
